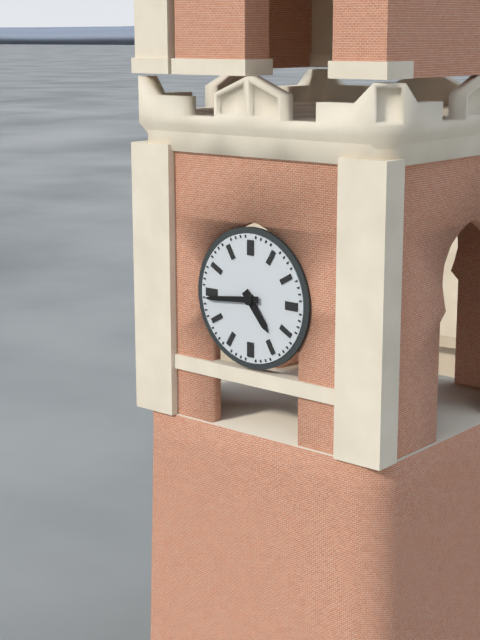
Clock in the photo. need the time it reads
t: 4:44
